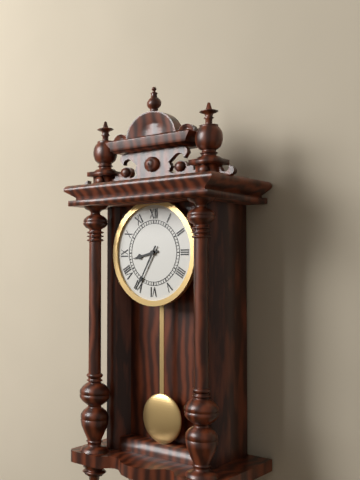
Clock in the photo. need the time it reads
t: 8:35
